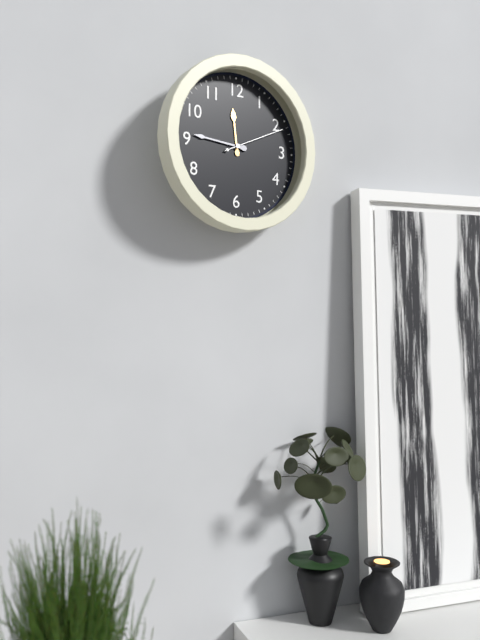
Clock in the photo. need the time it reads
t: 11:46:11
